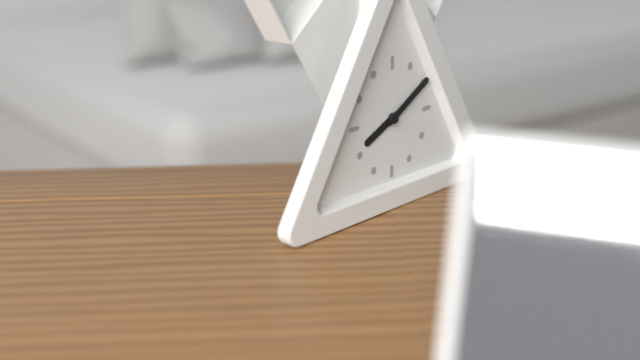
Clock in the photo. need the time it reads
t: 8:10
